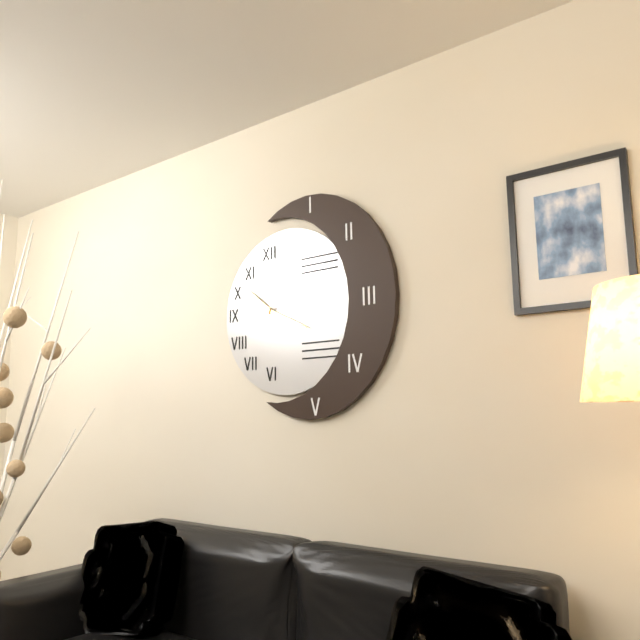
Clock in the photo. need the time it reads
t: 10:19:10
